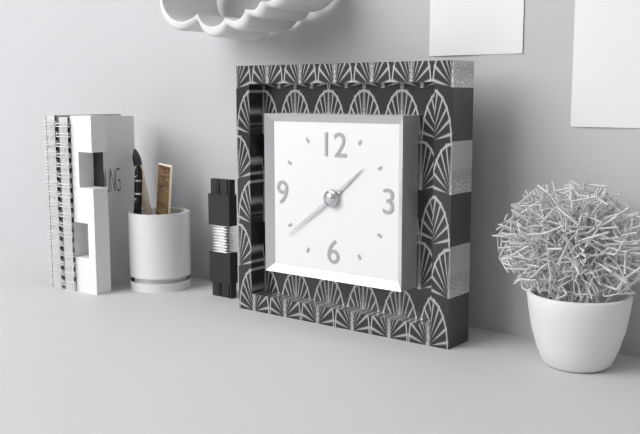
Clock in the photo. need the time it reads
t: 1:39
